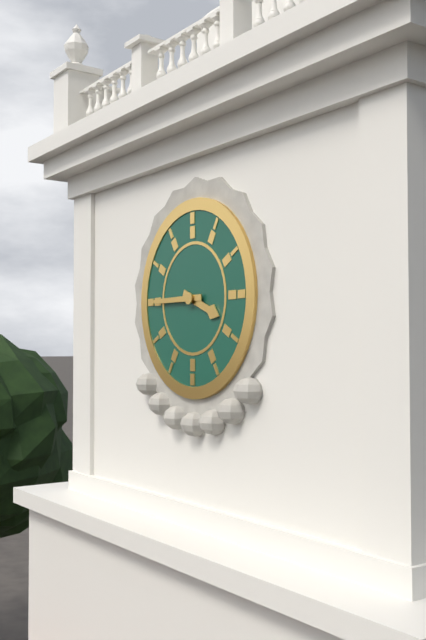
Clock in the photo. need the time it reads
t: 3:45
